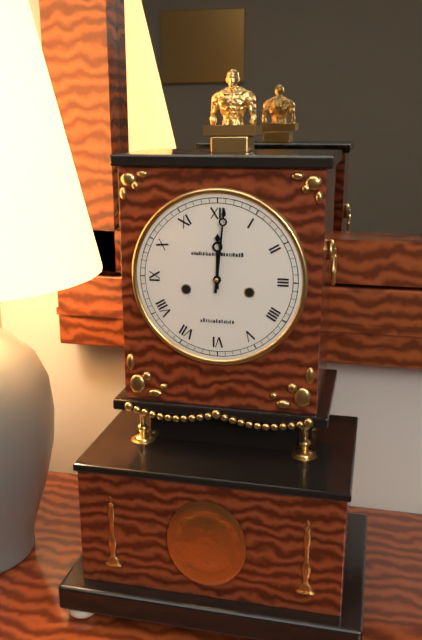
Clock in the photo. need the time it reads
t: 12:01
